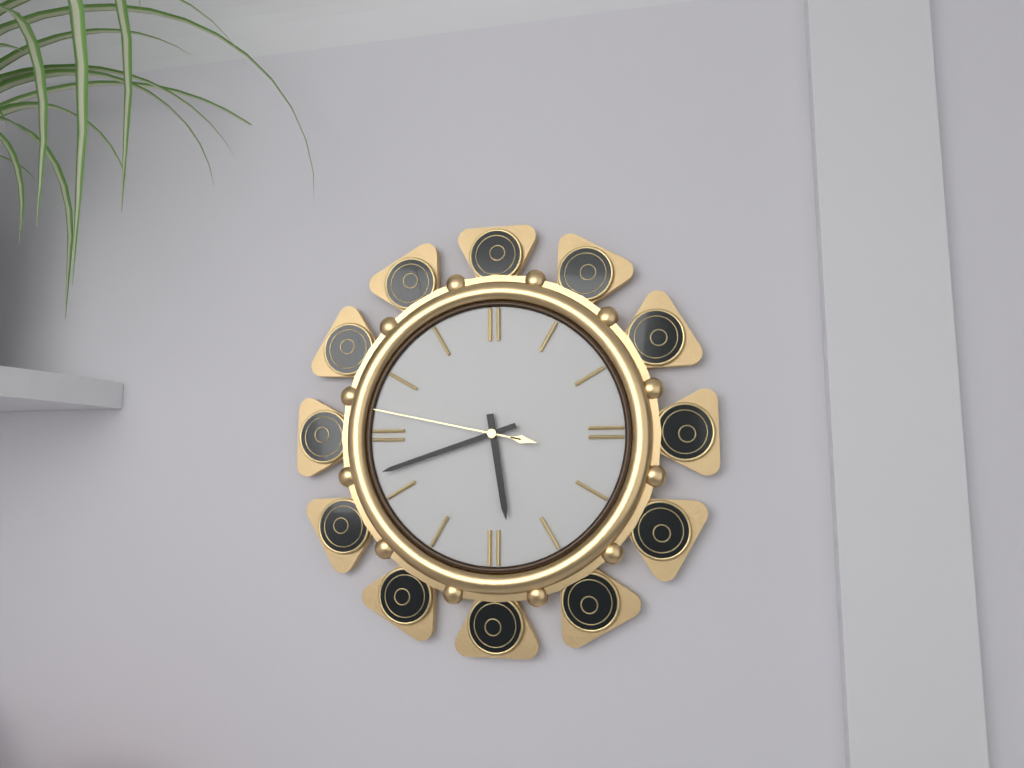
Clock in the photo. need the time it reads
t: 5:42:47
